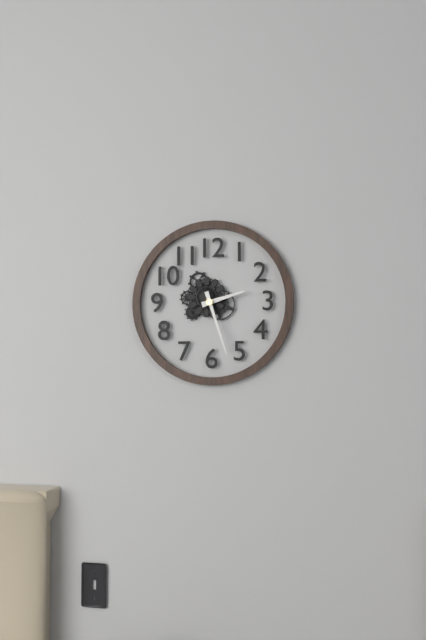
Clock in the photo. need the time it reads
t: 2:27
